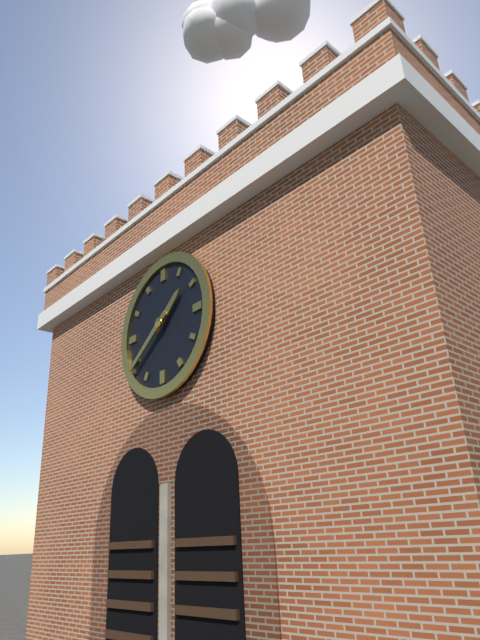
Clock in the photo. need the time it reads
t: 1:39
